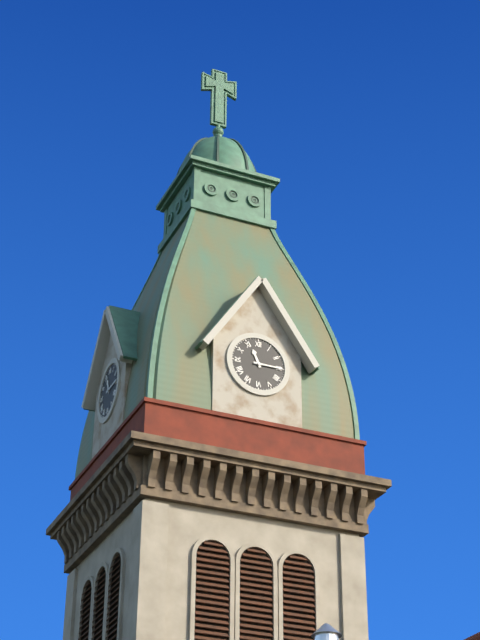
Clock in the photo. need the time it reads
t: 11:15
